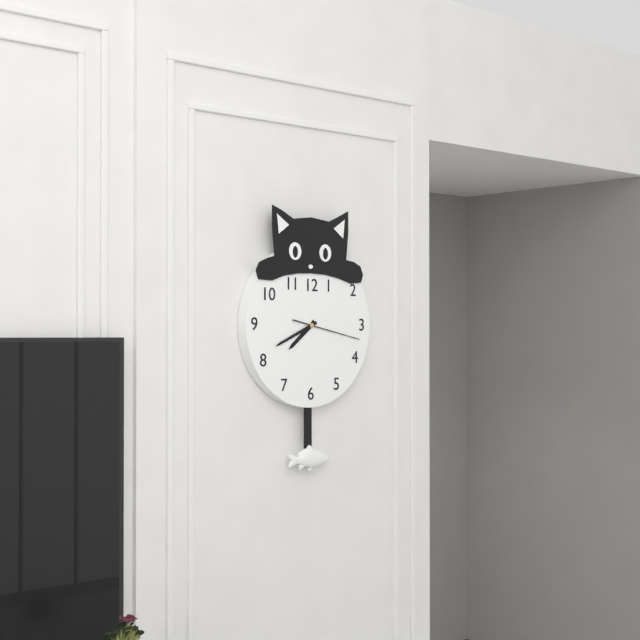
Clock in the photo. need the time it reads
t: 7:41:17
